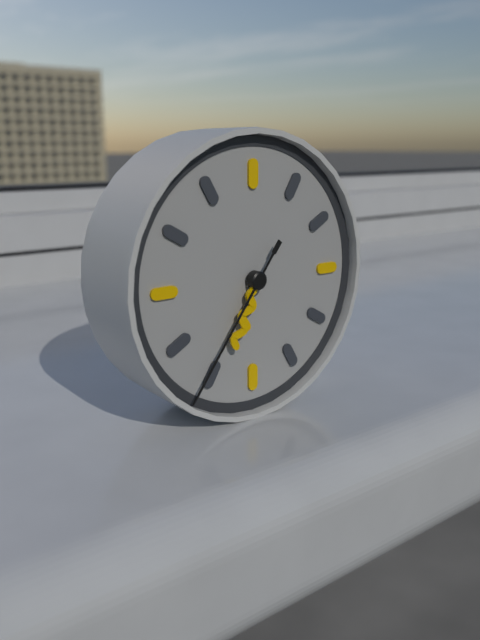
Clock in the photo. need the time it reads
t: 6:34:36
